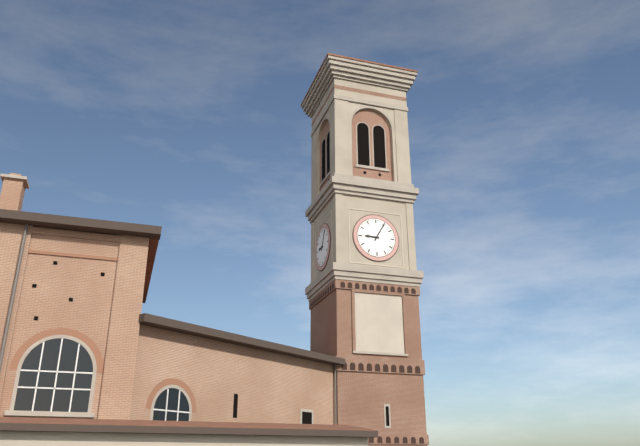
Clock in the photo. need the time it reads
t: 9:05
